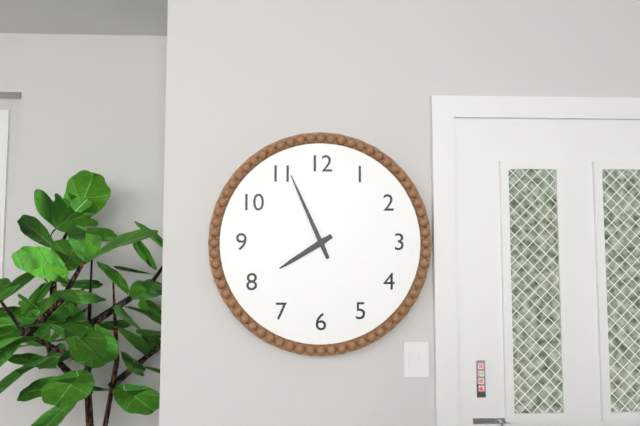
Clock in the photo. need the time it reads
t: 7:56
